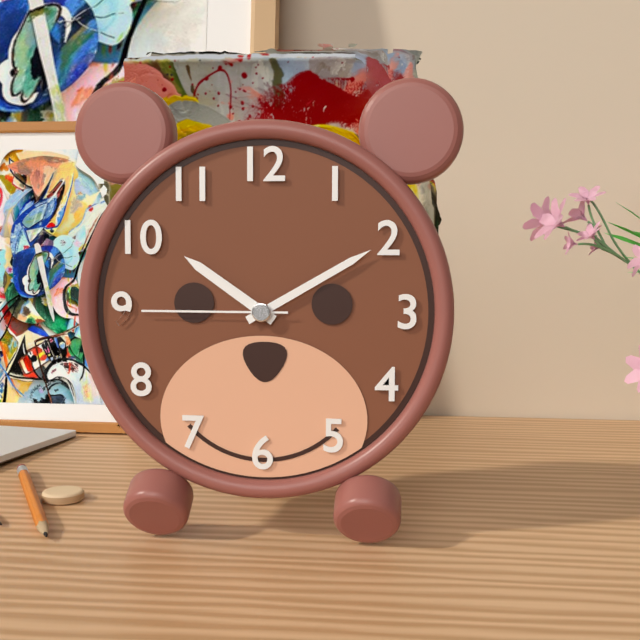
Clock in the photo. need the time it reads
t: 10:10:45
